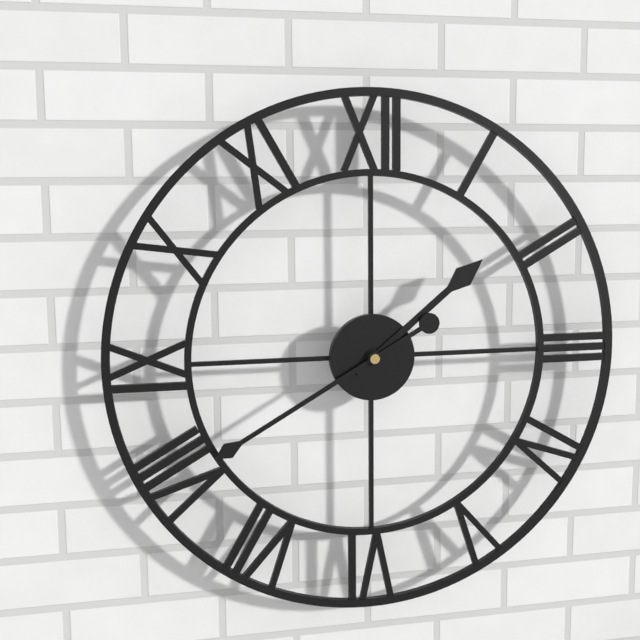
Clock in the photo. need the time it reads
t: 1:40
